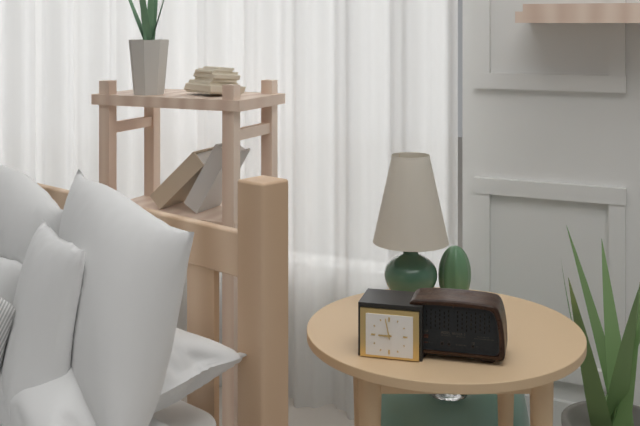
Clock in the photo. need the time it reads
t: 8:58
